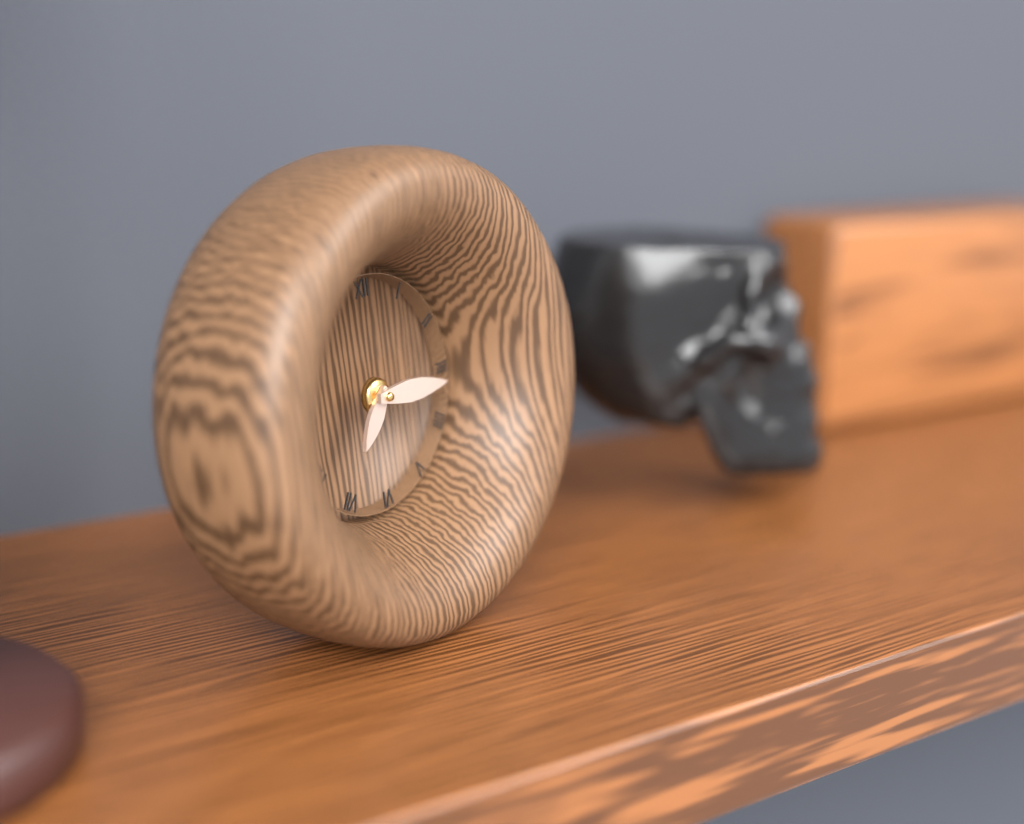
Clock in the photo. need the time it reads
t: 7:16
